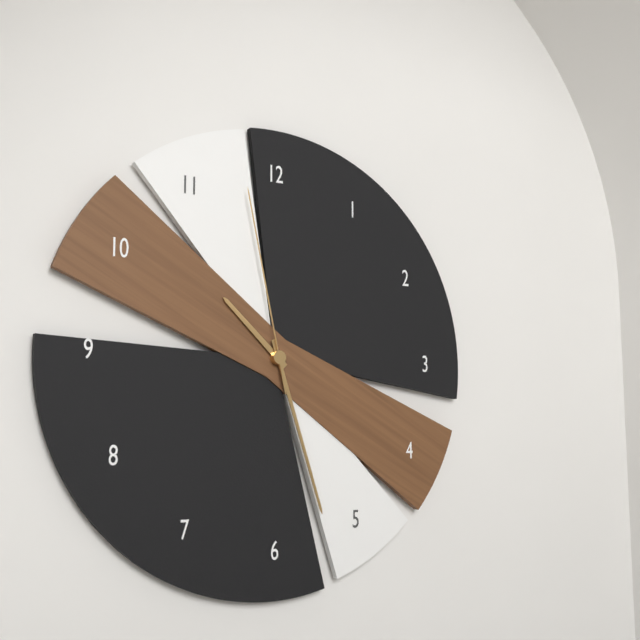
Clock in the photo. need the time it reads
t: 10:27:58
